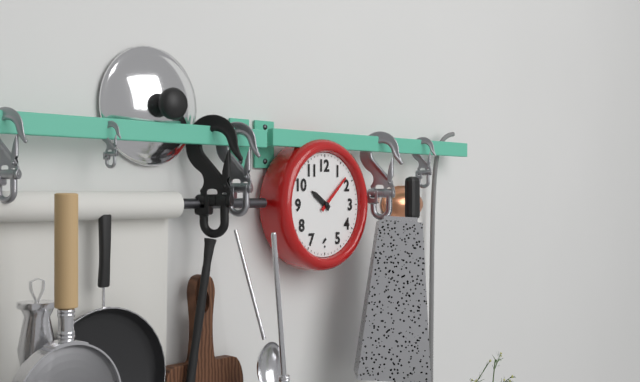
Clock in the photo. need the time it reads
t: 10:08
